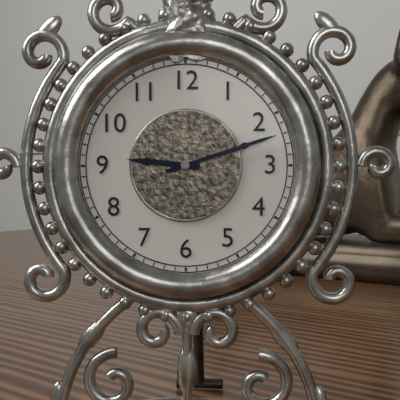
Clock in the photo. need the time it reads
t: 9:12
